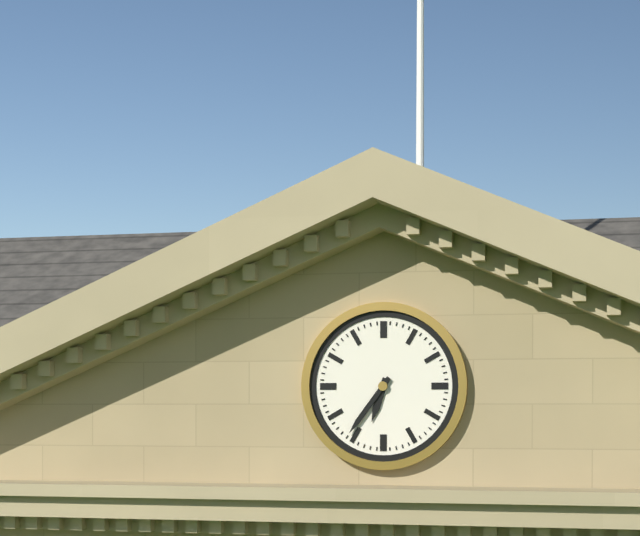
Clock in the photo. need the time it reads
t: 6:36
